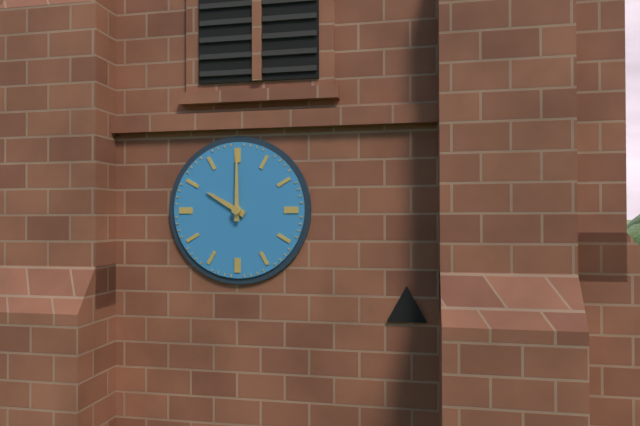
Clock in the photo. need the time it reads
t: 10:00
